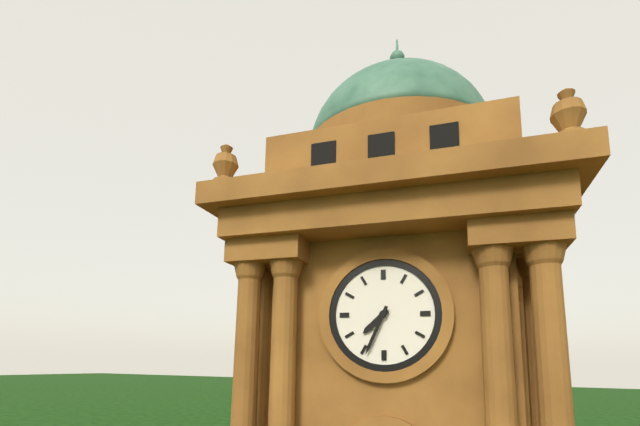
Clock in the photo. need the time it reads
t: 7:34
